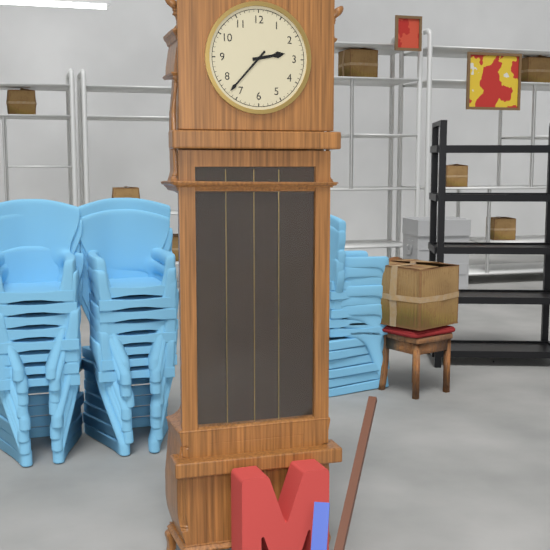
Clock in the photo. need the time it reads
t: 2:37
